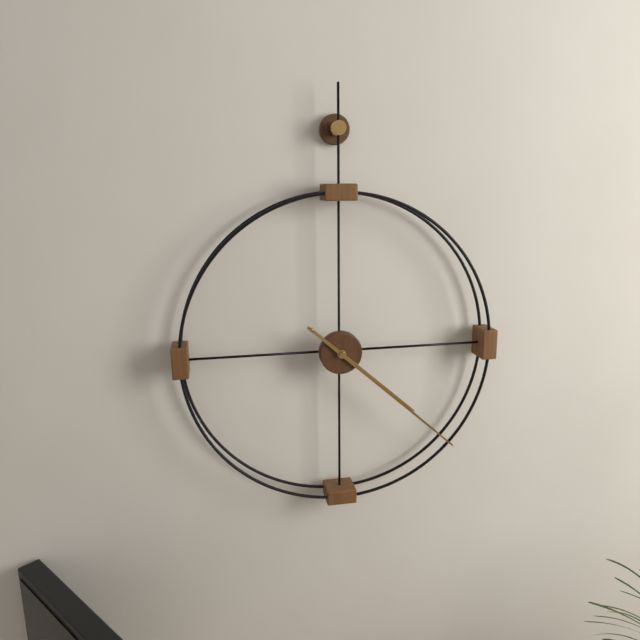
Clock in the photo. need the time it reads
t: 4:22
